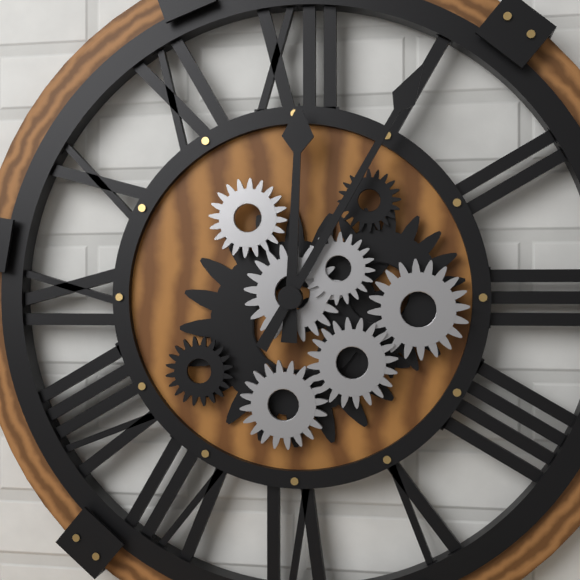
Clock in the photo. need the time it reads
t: 12:05
